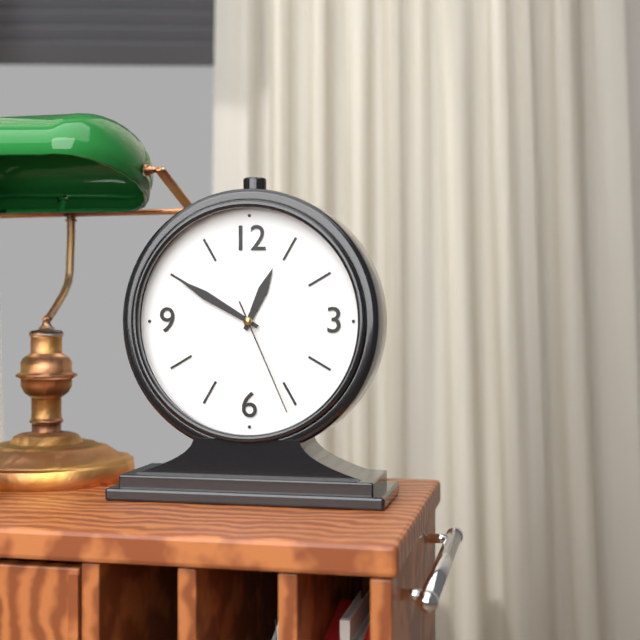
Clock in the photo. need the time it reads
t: 12:50:26
